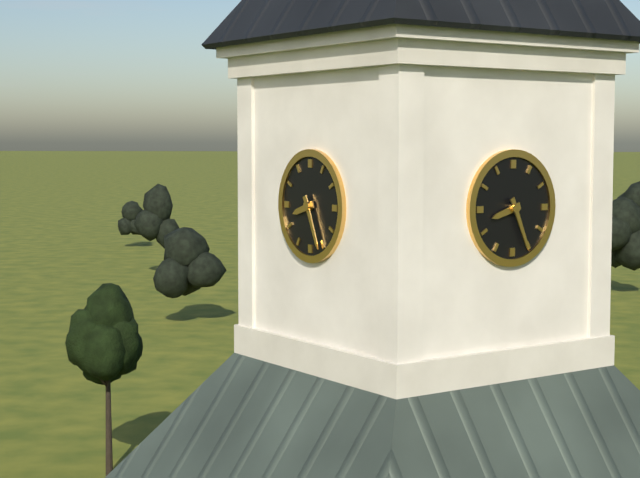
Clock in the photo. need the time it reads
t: 8:26
